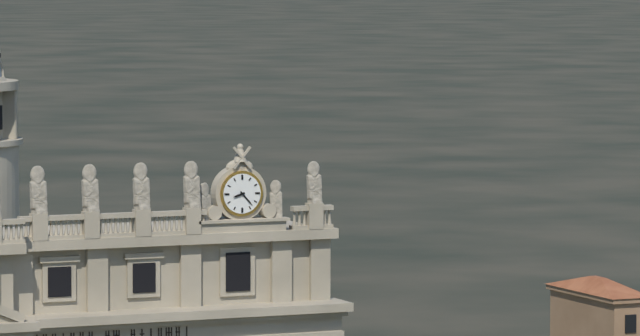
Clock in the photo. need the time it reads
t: 8:23
